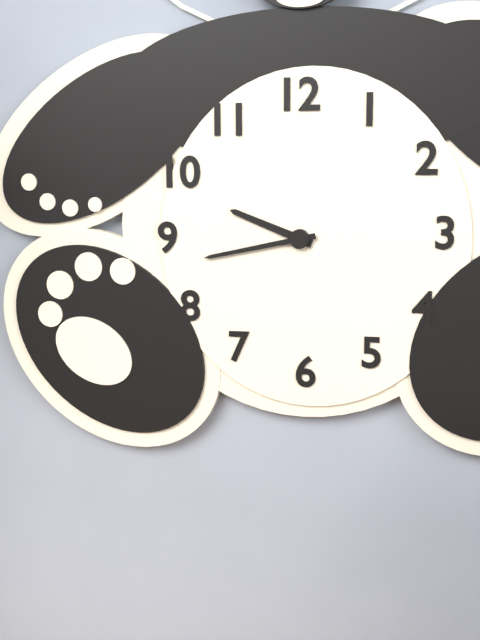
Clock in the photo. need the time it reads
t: 9:43
